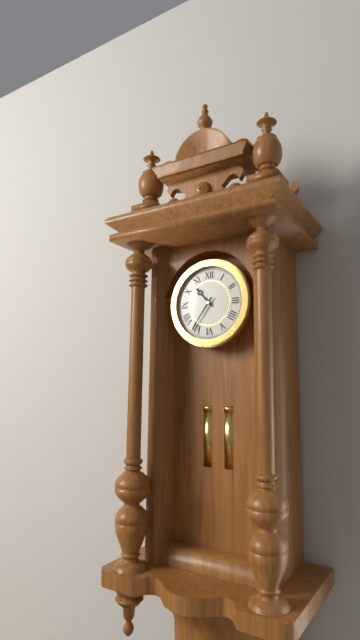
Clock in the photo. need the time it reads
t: 10:36
